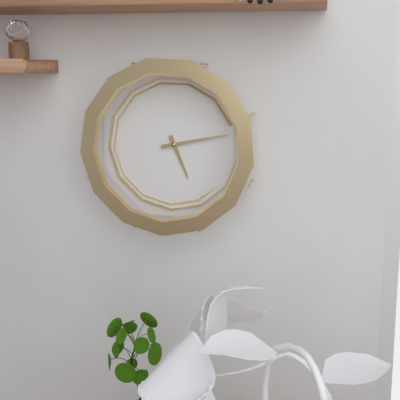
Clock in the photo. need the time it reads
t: 5:13
